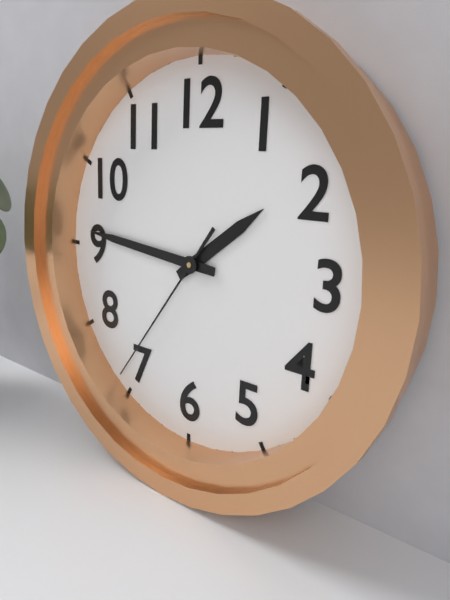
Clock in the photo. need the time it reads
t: 1:46:36
